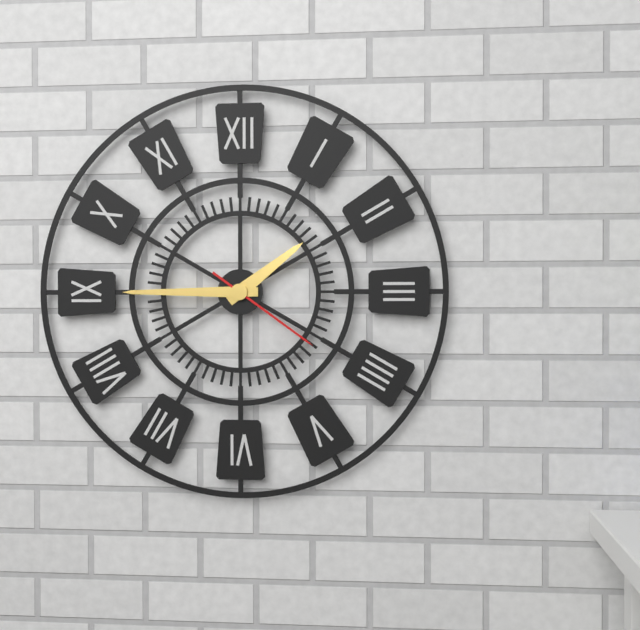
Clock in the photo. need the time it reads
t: 1:45:21
